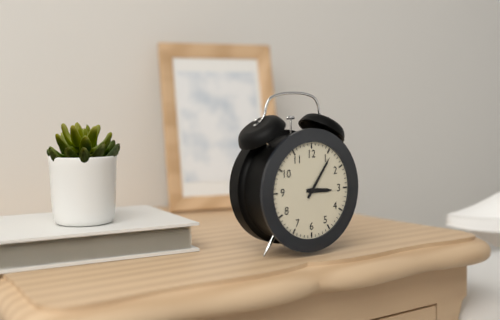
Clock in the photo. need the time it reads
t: 3:06
